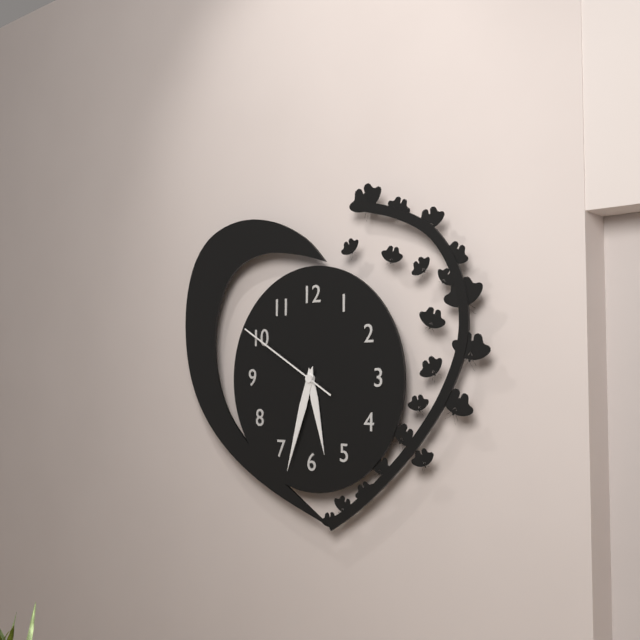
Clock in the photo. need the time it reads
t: 5:33:50
